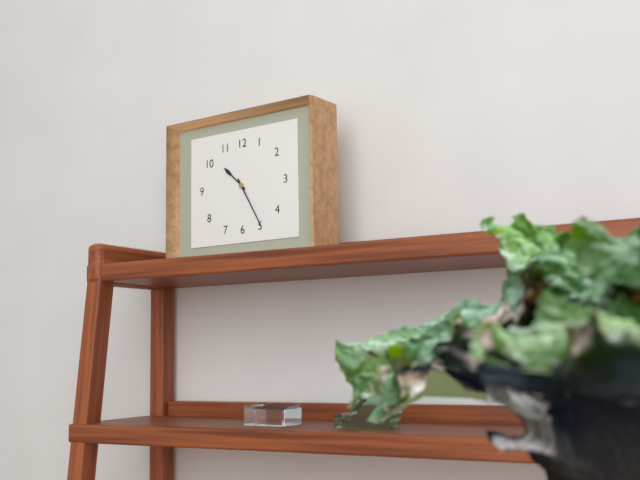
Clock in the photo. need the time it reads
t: 10:25
